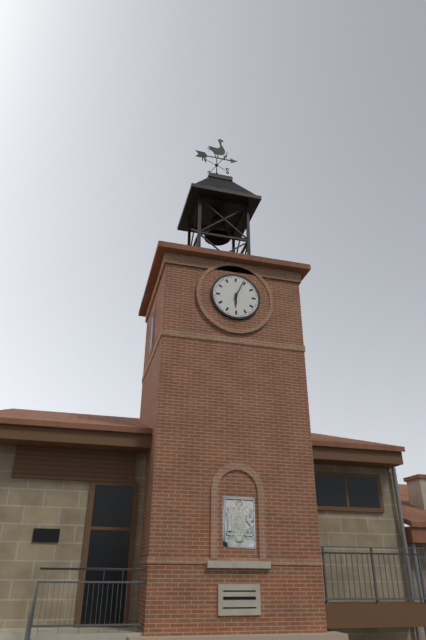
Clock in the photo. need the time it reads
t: 6:04
